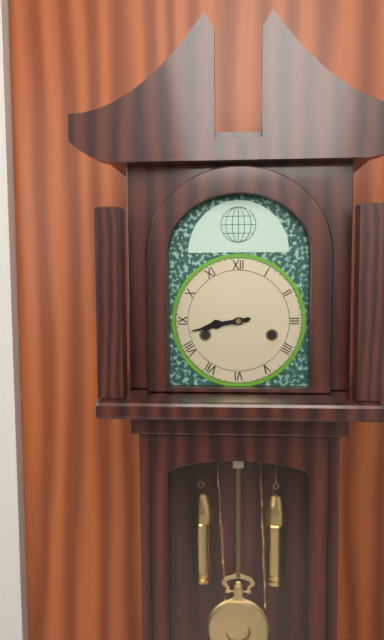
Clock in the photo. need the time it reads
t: 8:43
